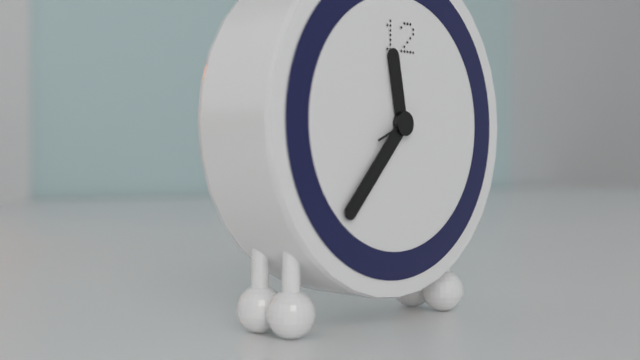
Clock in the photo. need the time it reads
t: 11:37
